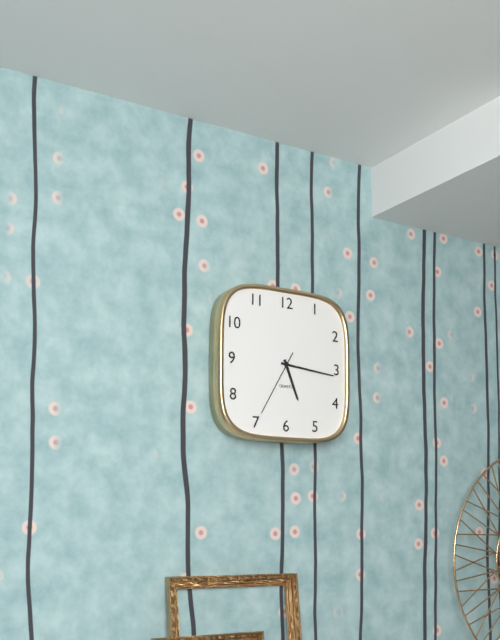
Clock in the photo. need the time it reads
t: 5:16:35
